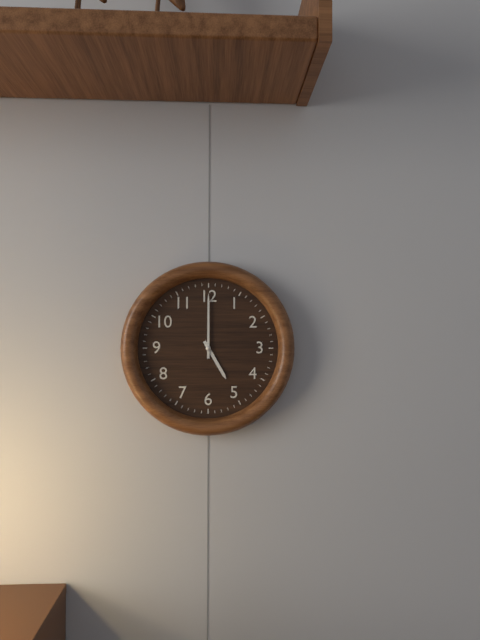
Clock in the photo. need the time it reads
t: 5:00
